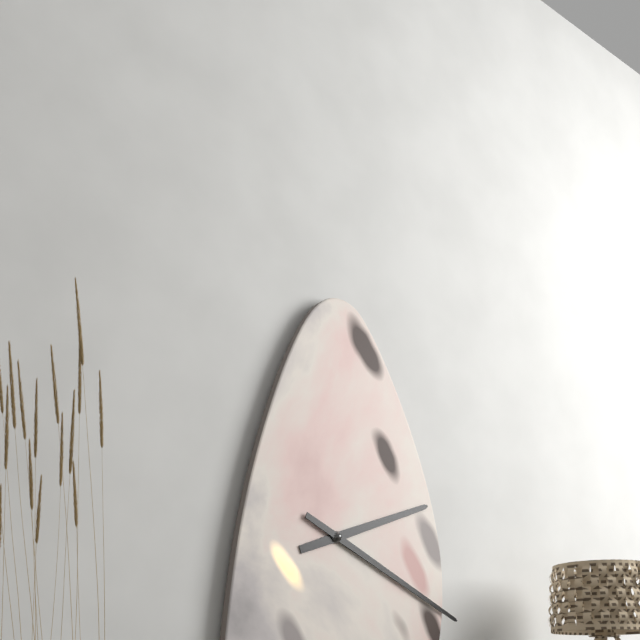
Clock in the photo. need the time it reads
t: 2:19
